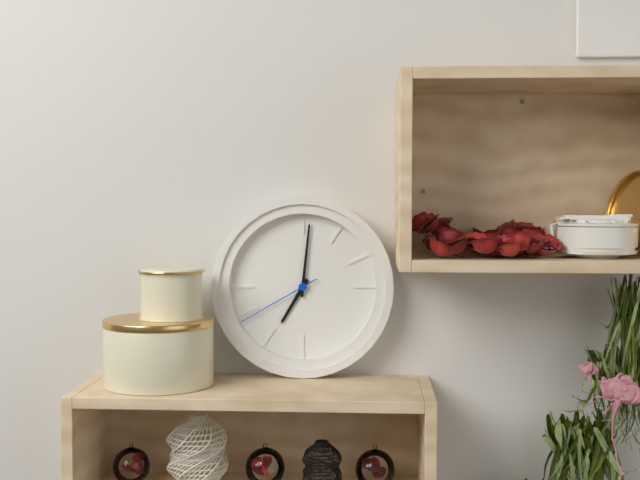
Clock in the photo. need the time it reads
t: 7:01:40
